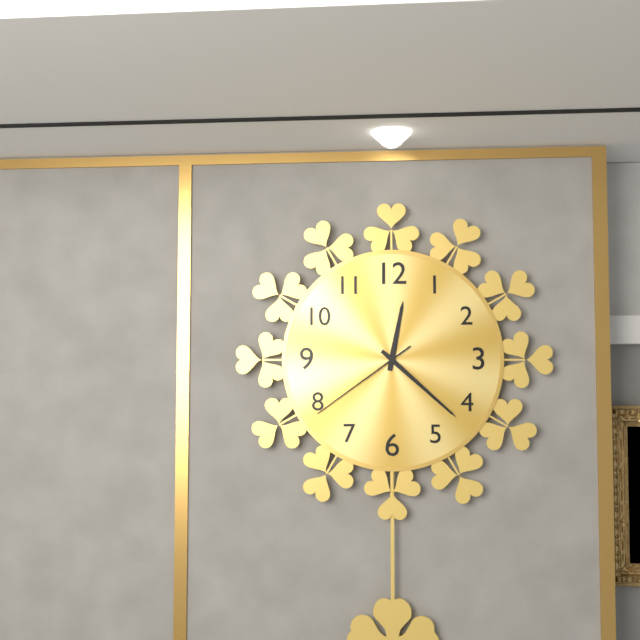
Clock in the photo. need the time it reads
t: 12:22:39
